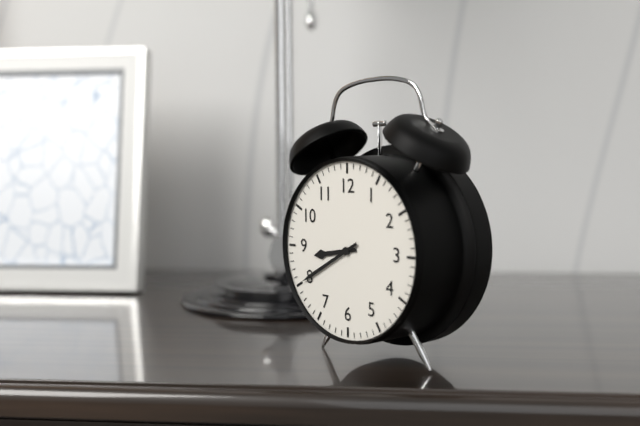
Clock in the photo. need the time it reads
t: 8:40
